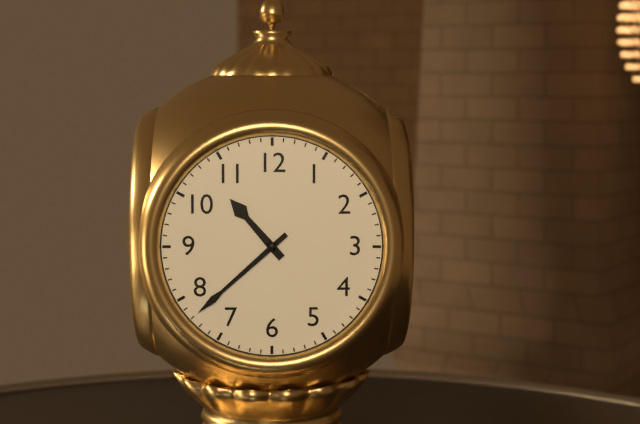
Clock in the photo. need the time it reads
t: 10:38
